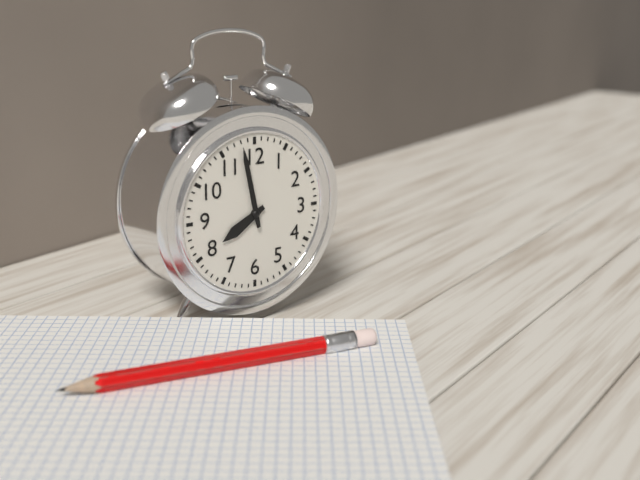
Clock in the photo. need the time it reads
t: 7:58
